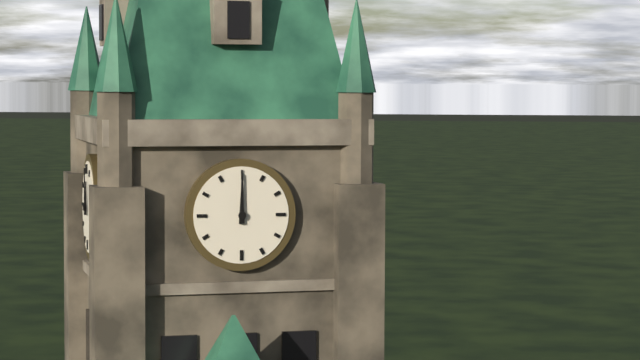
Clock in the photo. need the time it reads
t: 12:00
